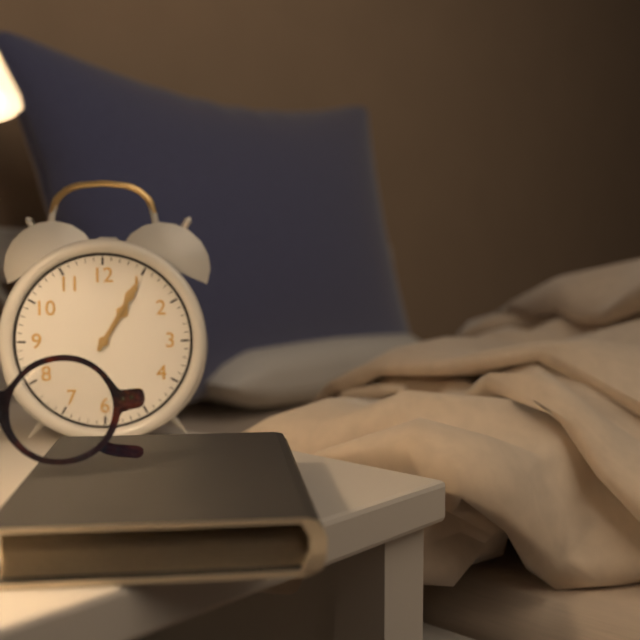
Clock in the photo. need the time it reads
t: 1:05
